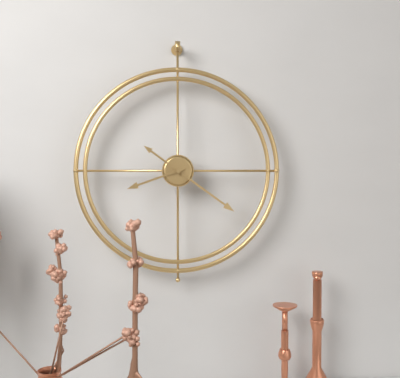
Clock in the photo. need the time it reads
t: 8:21
